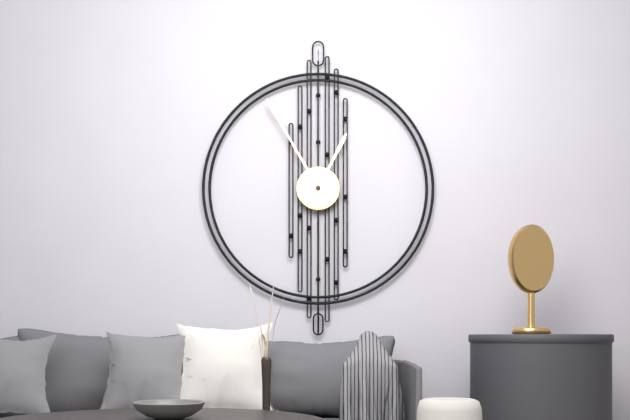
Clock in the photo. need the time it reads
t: 12:55
